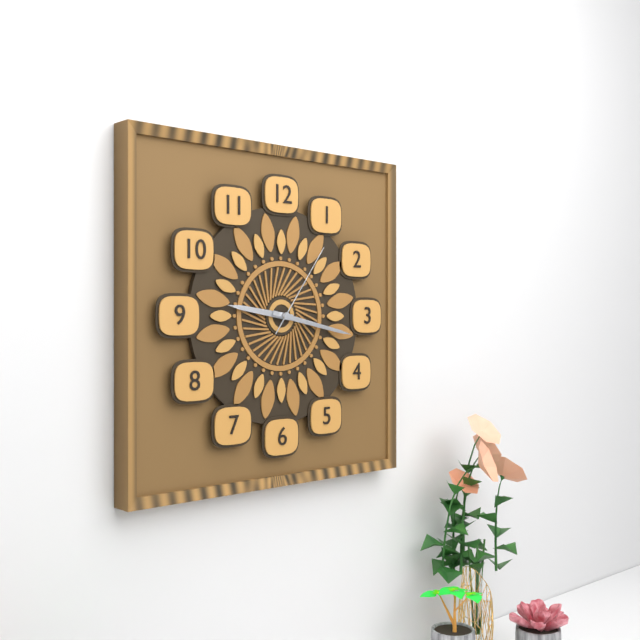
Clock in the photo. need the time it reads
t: 9:17:06
